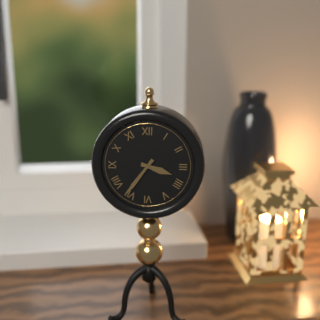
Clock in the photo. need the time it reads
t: 3:36
